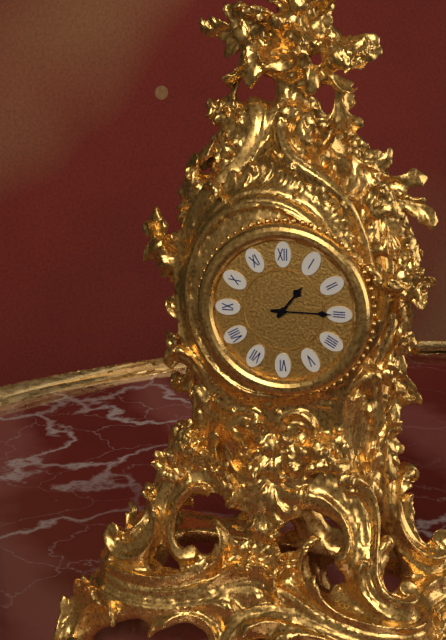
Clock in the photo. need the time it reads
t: 1:15
